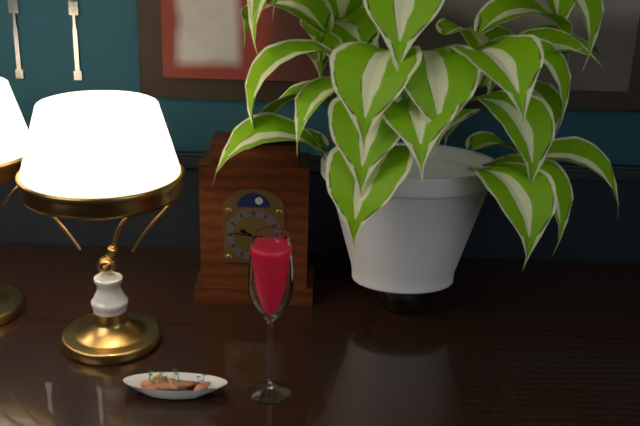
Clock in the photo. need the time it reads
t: 9:46
